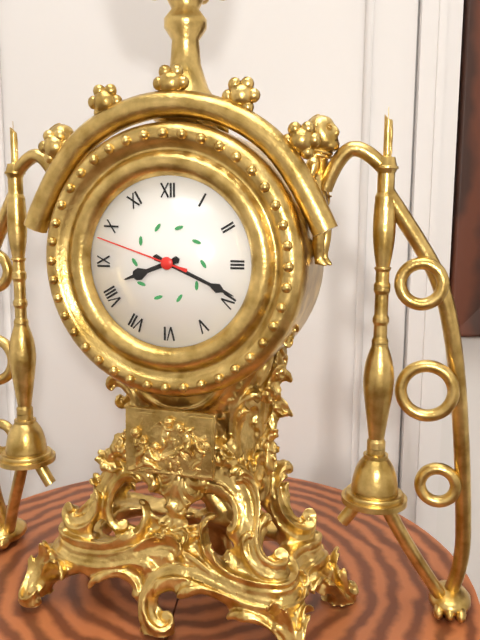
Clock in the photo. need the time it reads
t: 8:19:48
